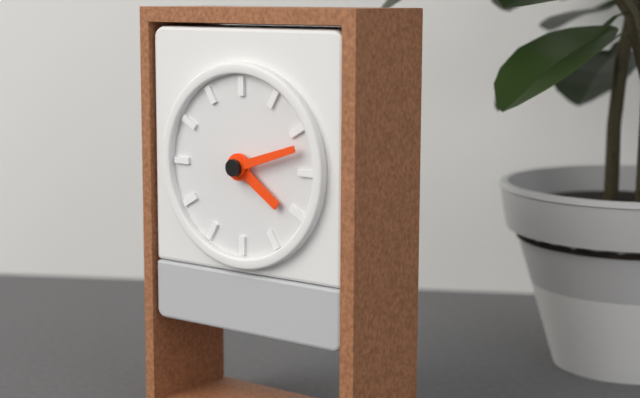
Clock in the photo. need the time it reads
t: 4:12
